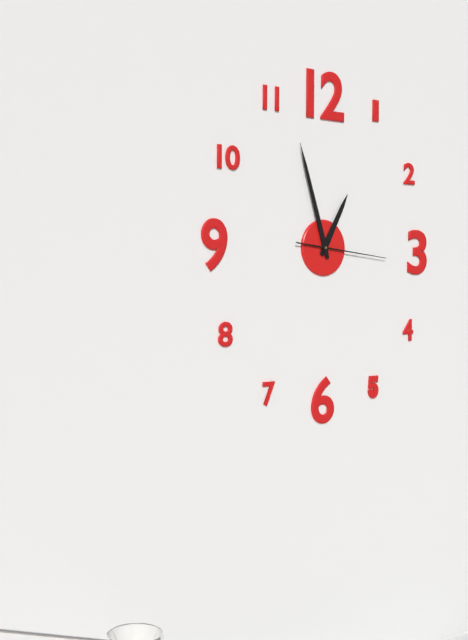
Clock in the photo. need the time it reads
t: 12:57:16
